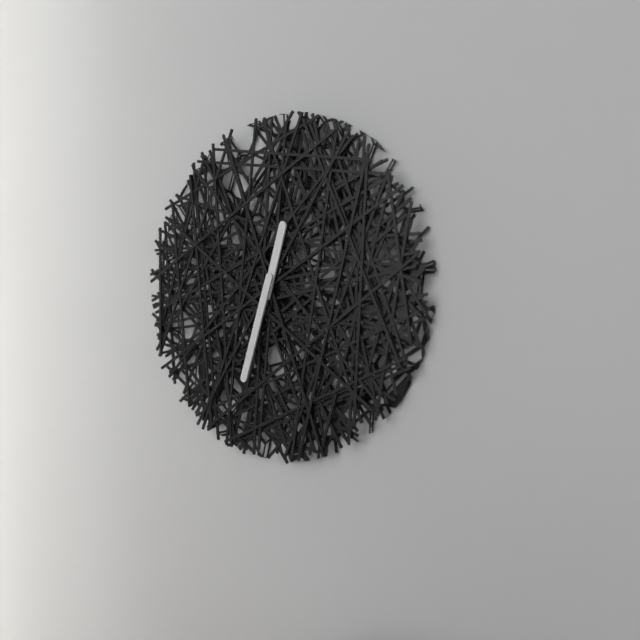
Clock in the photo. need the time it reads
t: 12:33
